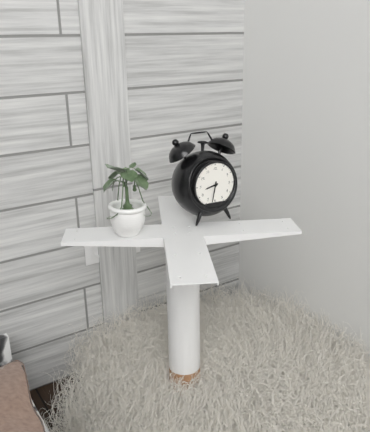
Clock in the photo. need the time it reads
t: 8:32
